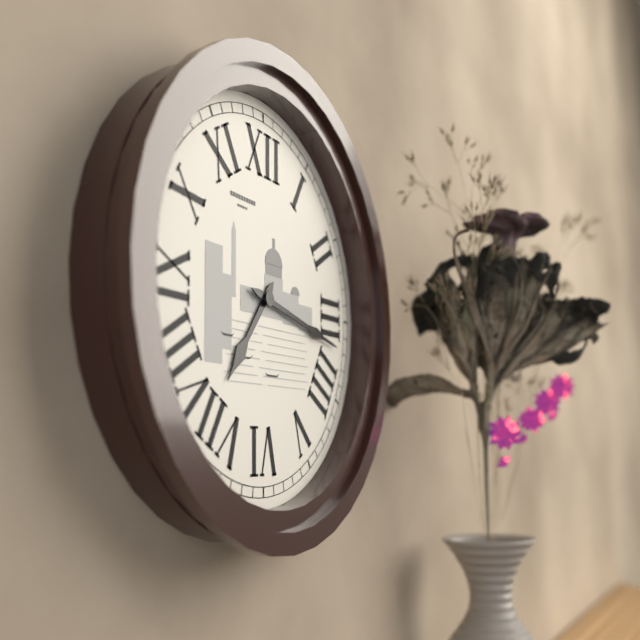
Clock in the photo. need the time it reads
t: 7:17
